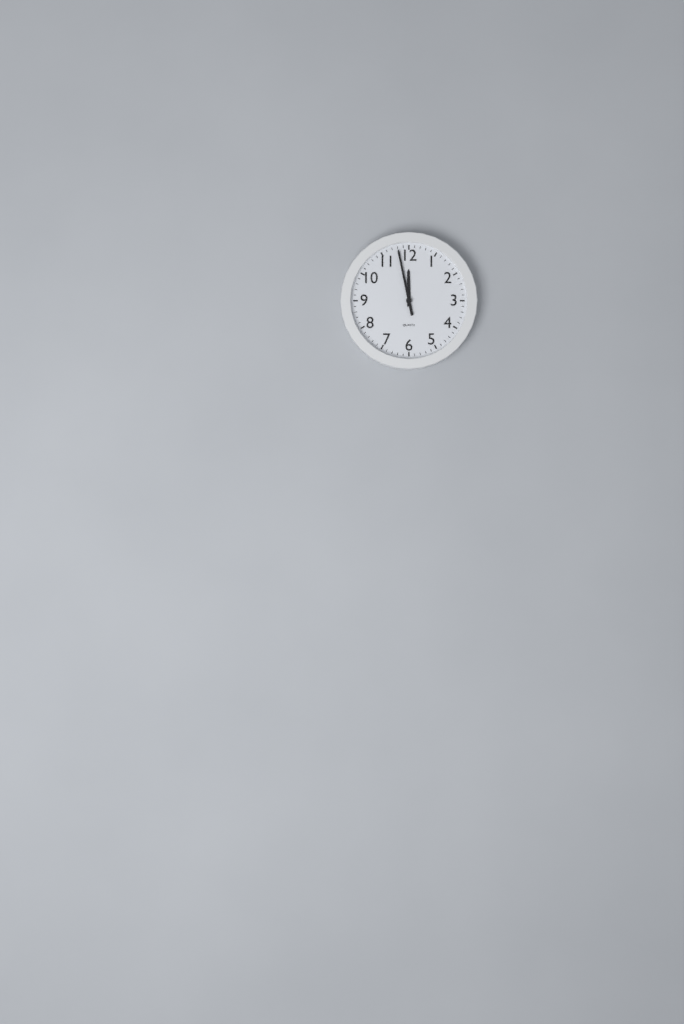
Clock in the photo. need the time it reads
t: 11:58
